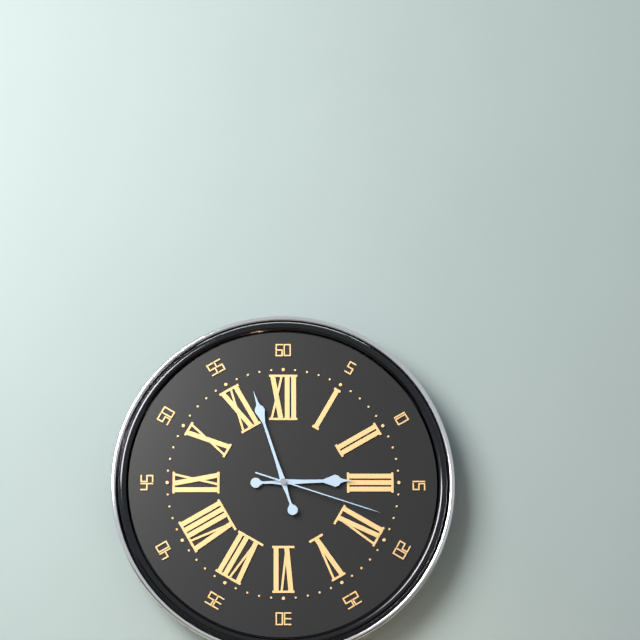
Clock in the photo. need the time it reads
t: 2:57:18
